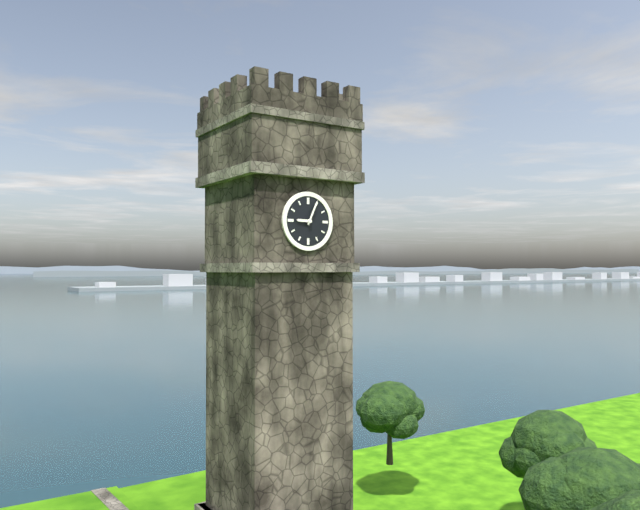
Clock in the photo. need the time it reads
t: 9:04
